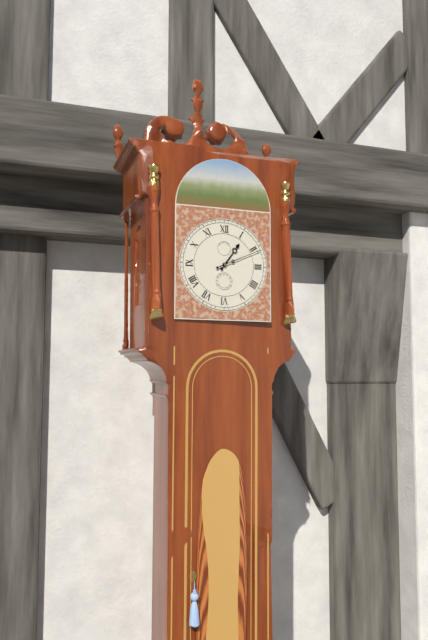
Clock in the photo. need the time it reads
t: 1:11
